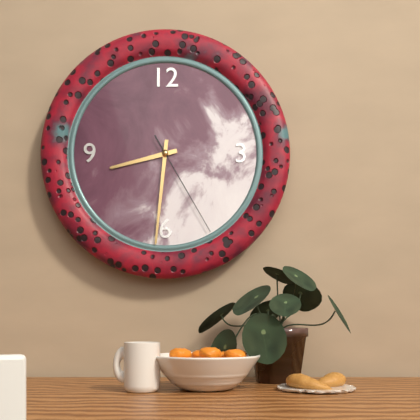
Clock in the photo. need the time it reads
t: 8:31:25
